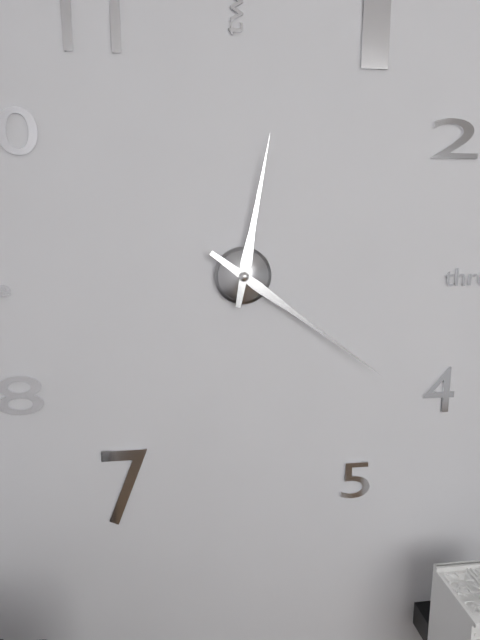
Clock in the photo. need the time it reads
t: 12:21
